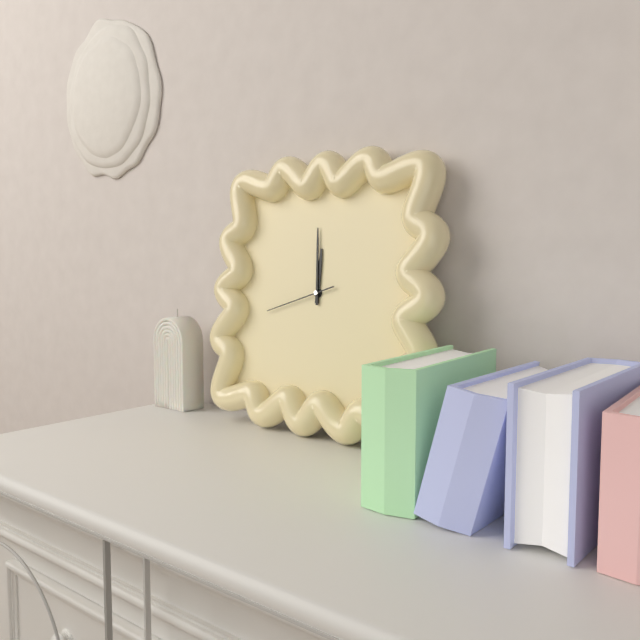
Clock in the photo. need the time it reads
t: 11:59:42
